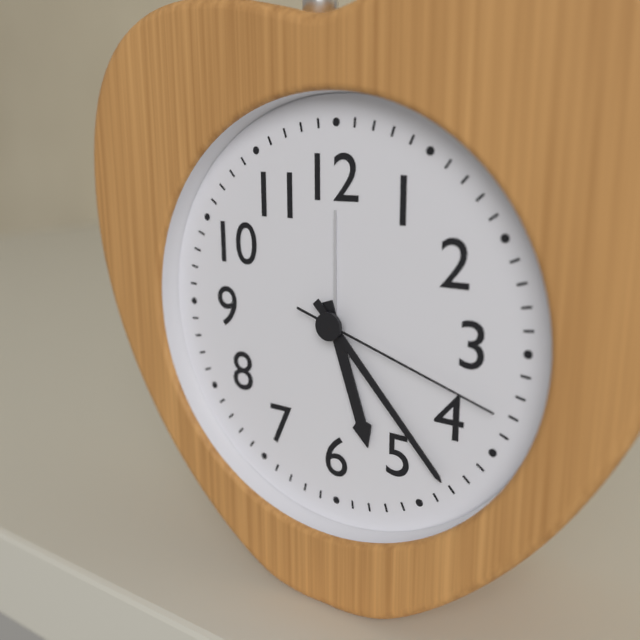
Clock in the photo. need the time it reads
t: 5:23:18
